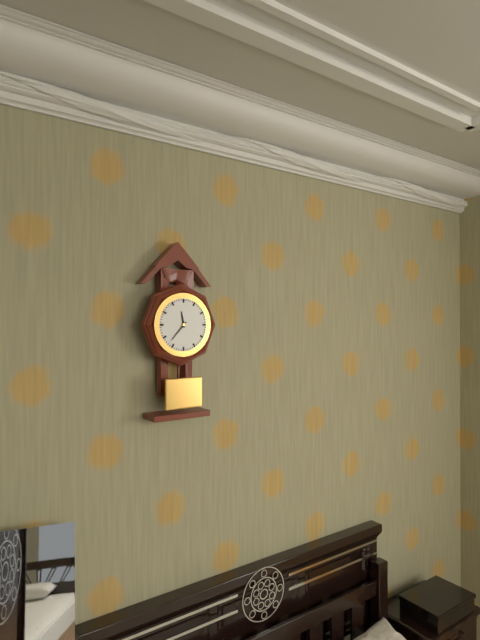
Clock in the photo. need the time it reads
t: 11:37
